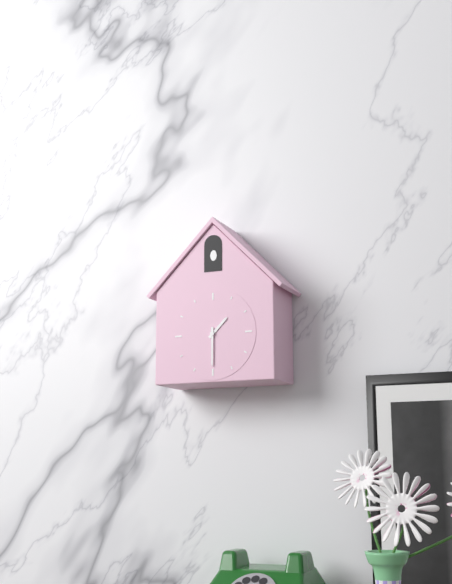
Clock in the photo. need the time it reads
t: 1:30
